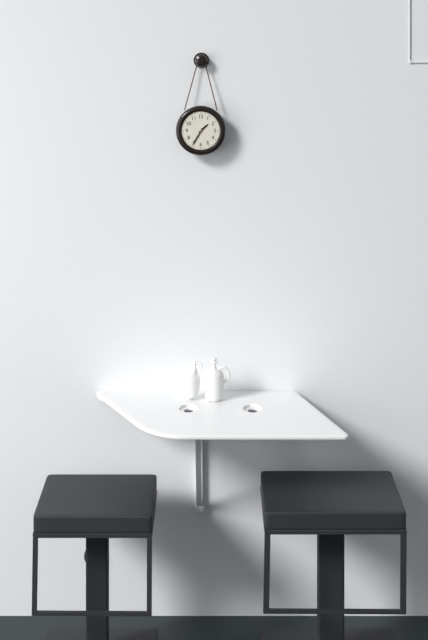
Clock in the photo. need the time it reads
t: 1:35
